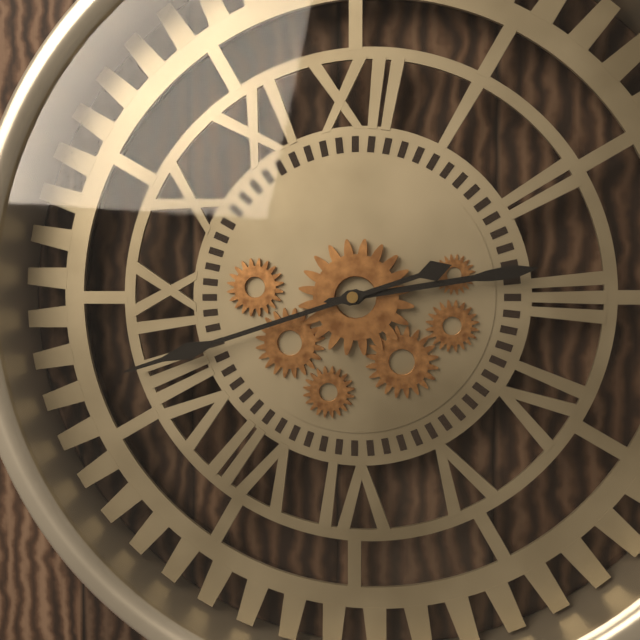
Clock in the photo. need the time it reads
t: 2:42
